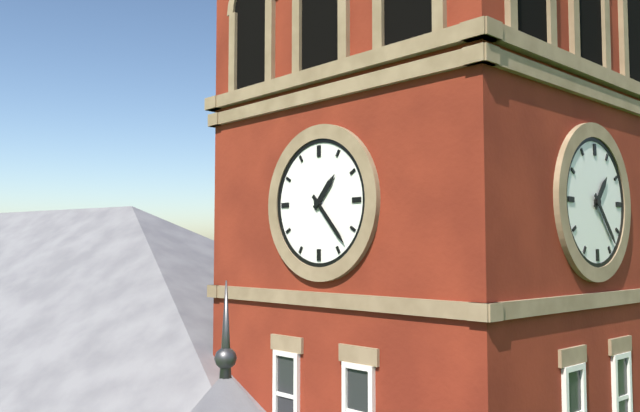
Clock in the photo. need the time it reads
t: 1:23
